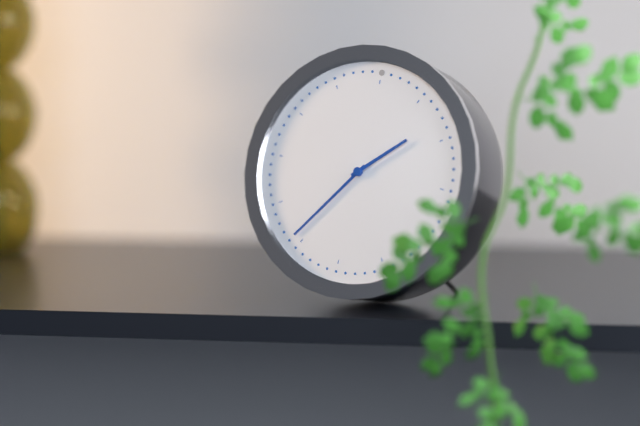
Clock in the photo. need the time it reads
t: 1:36
